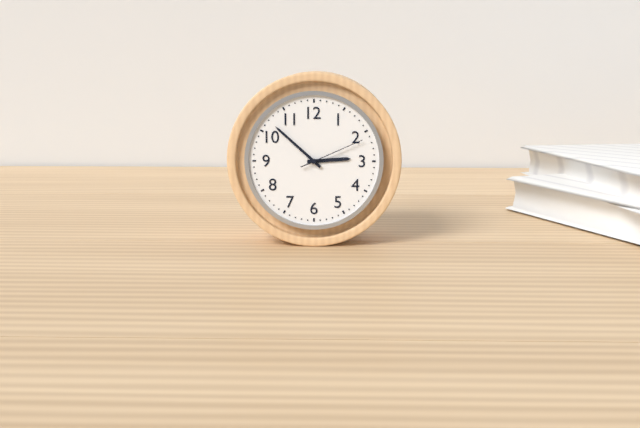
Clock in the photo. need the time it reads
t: 2:52:11
